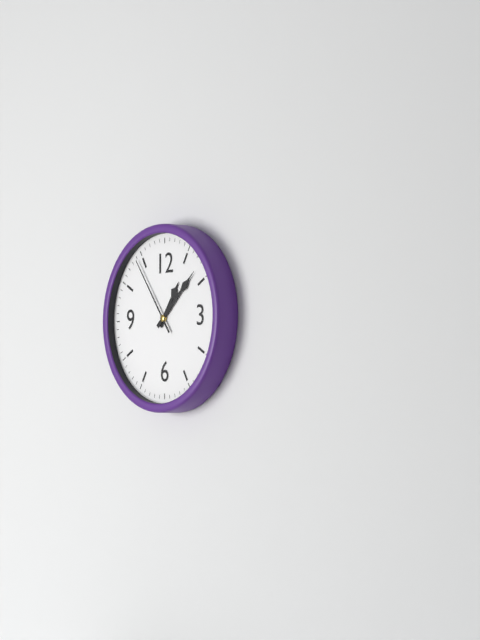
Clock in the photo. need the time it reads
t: 1:08:54
